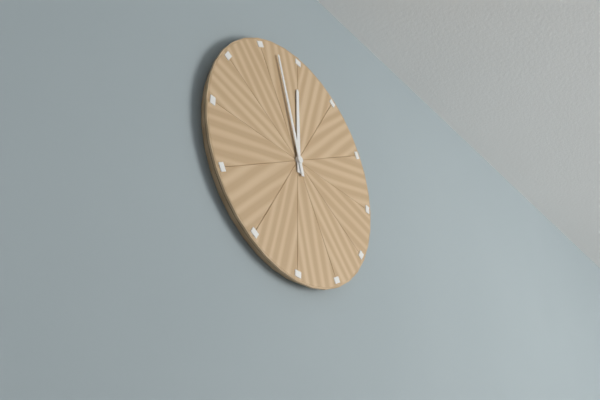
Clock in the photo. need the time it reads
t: 11:57
